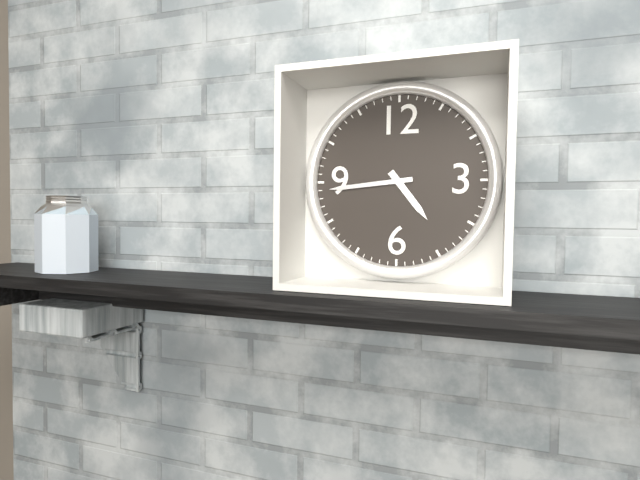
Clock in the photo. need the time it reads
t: 4:44
